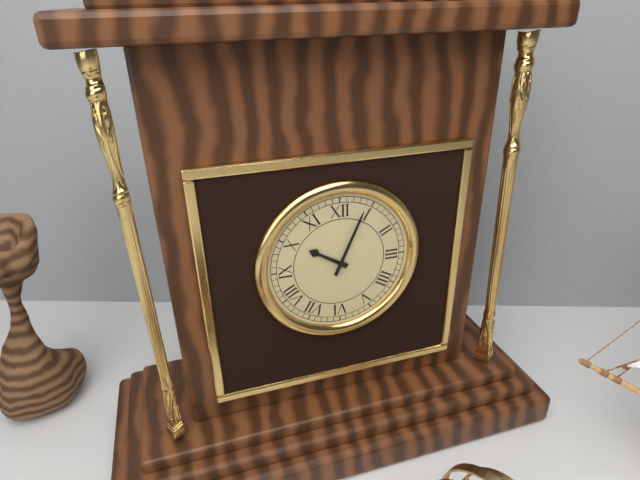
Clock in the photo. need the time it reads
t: 10:04
